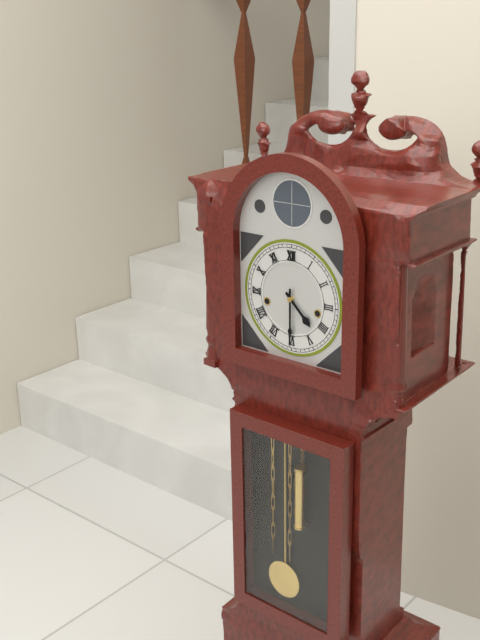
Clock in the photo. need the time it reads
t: 4:30
